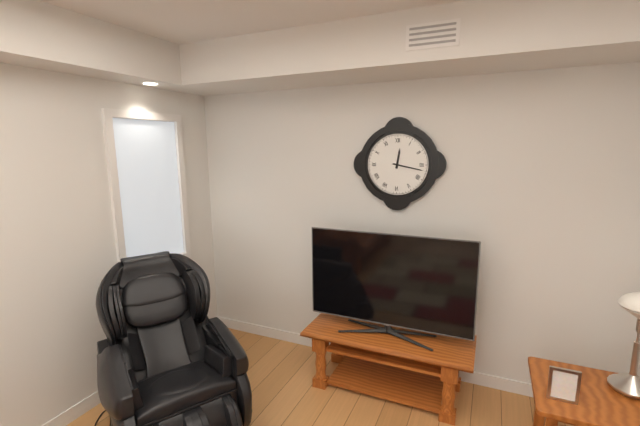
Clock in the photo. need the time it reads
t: 12:17
